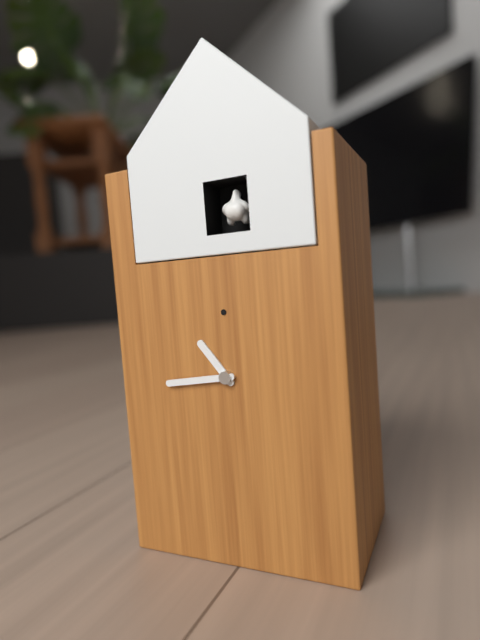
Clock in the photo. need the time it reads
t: 10:44
